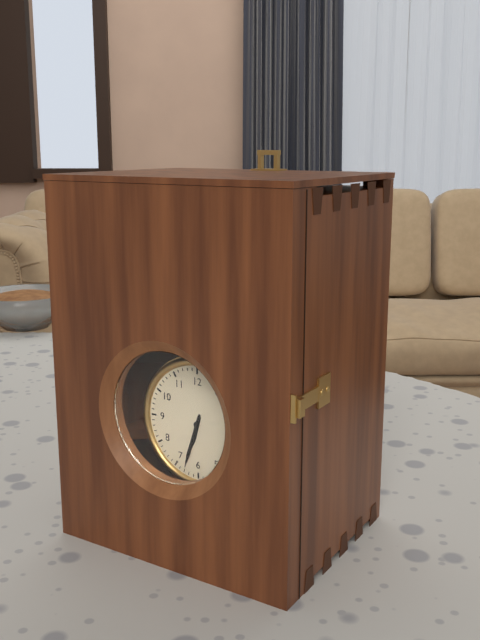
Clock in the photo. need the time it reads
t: 6:33
